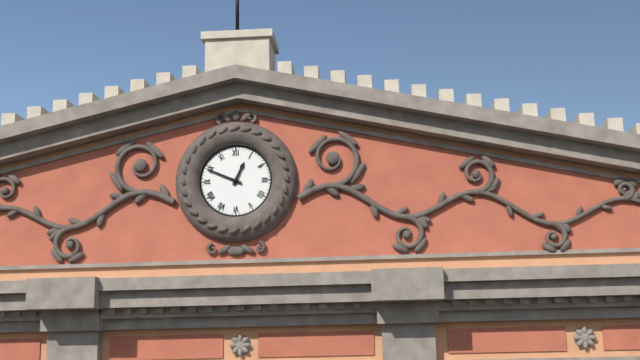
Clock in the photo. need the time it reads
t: 12:49
